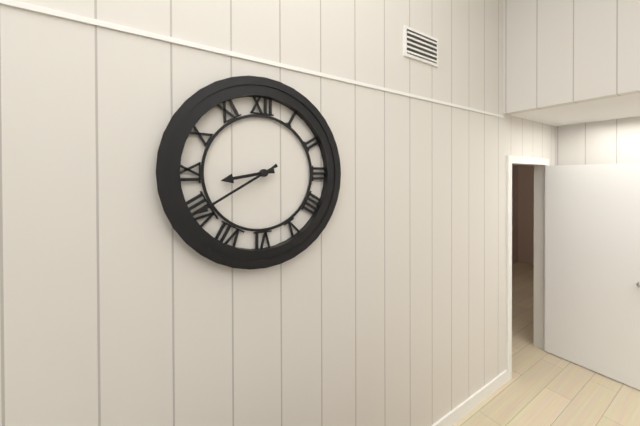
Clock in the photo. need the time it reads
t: 8:40
